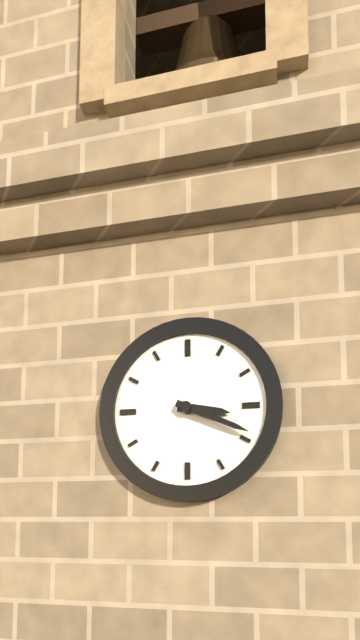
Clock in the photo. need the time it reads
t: 3:19
